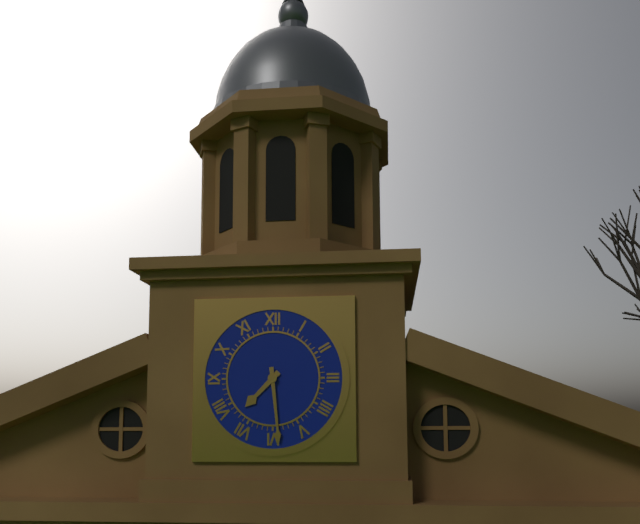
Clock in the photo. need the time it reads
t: 7:29
